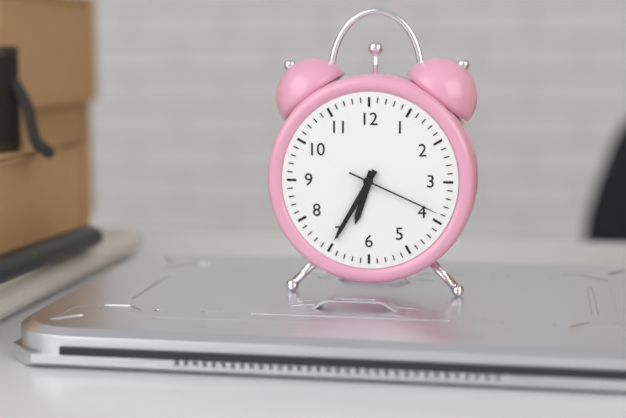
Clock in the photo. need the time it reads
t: 6:35:19
